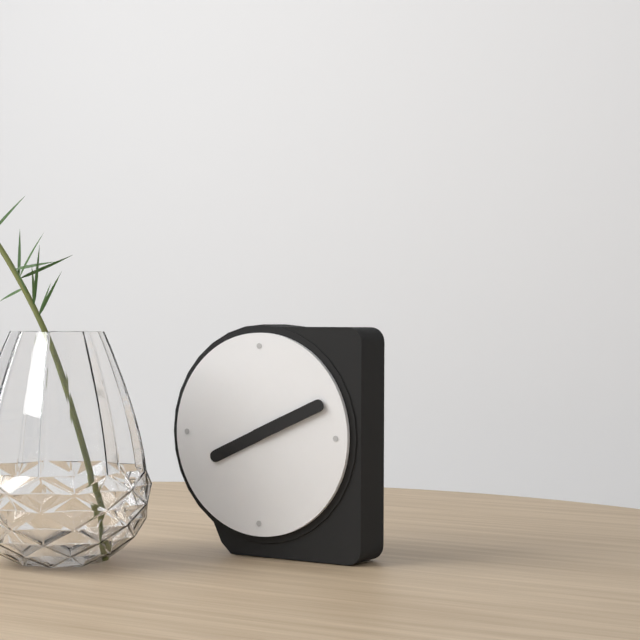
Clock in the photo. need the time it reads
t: 8:11
